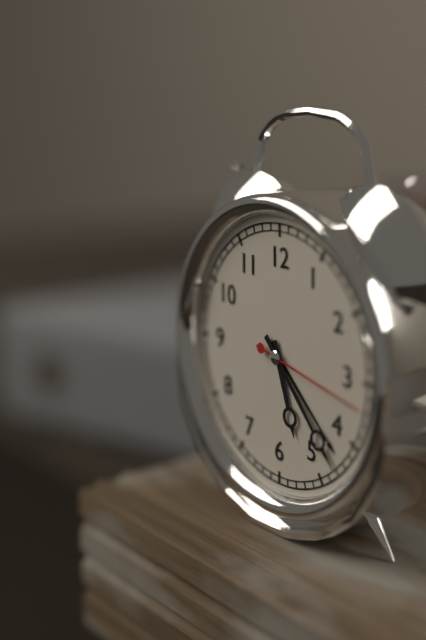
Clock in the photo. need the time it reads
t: 5:23:17
